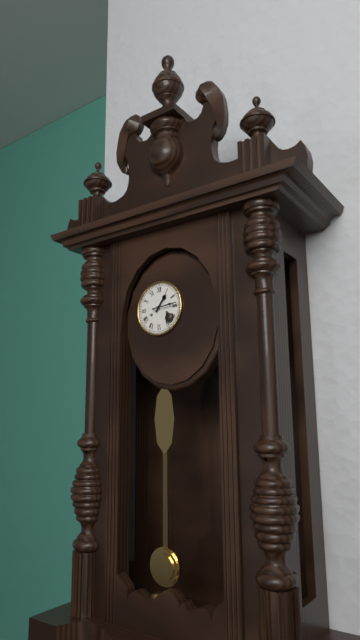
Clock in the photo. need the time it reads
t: 1:14
